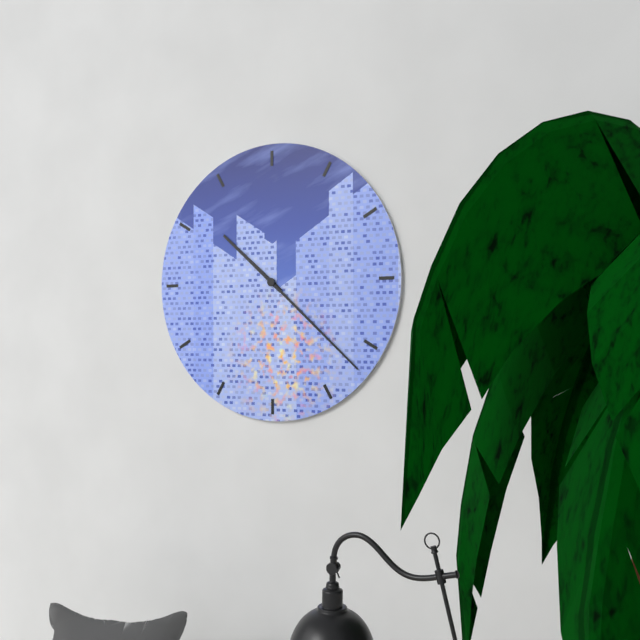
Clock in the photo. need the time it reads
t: 10:22
